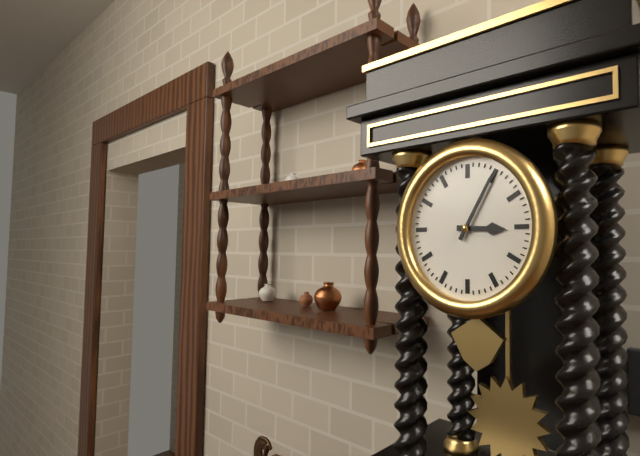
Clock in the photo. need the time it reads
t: 3:05
